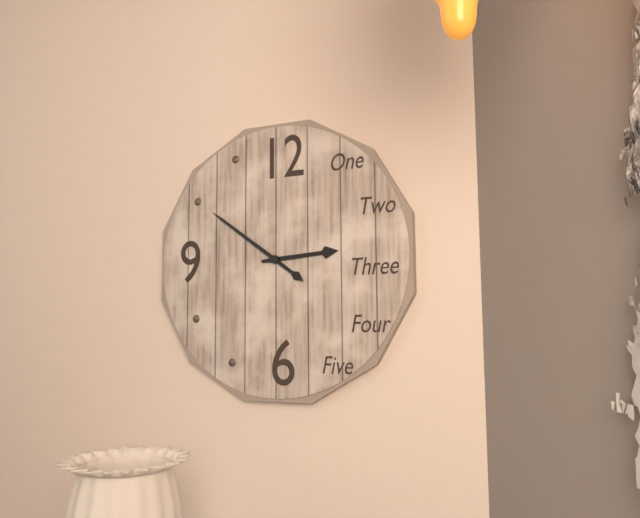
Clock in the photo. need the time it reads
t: 2:51
